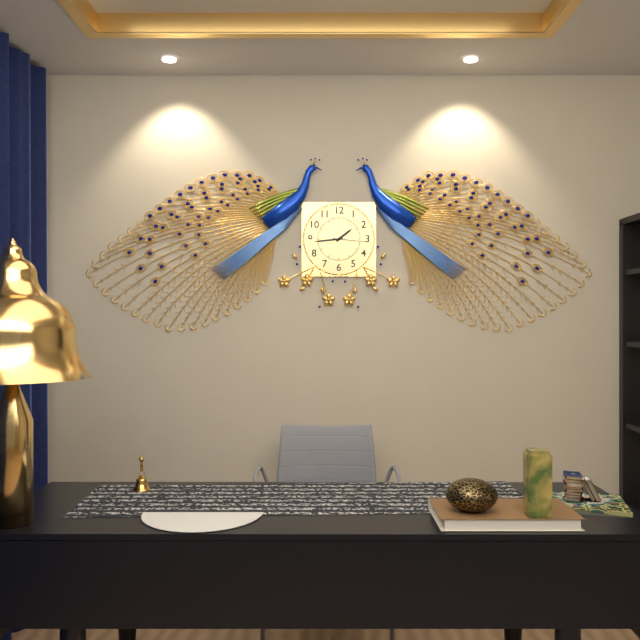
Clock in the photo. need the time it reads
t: 1:44
